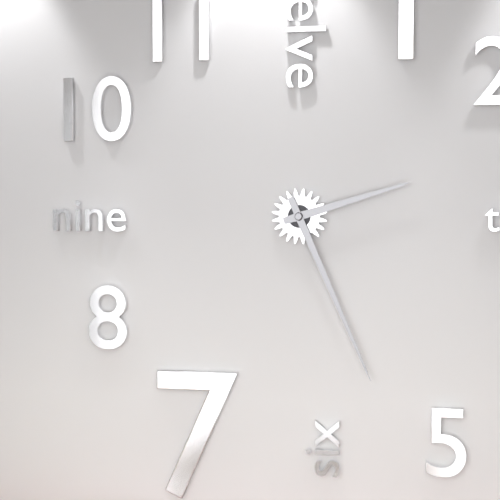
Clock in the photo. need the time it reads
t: 2:26
